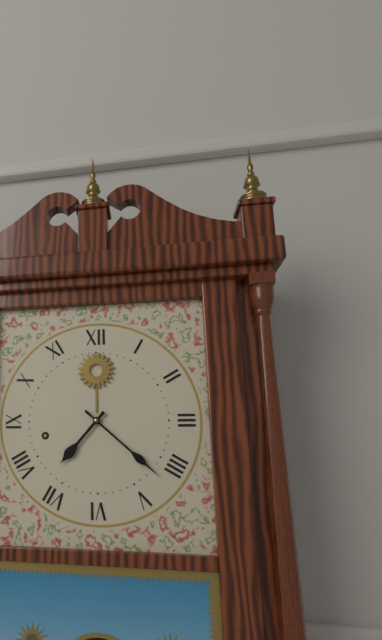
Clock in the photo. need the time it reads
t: 7:22
